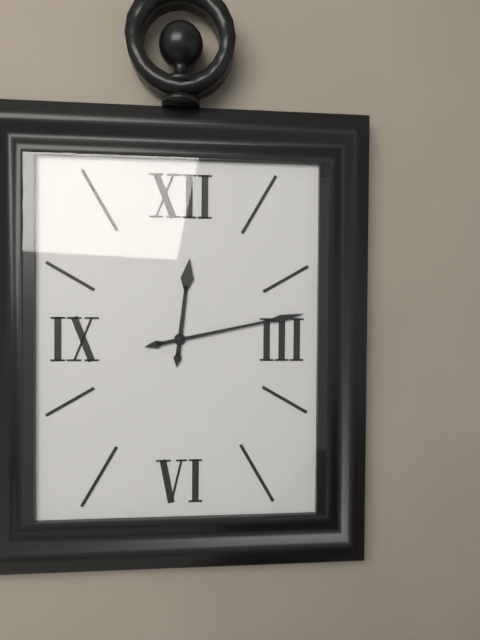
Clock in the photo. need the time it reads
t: 12:13
